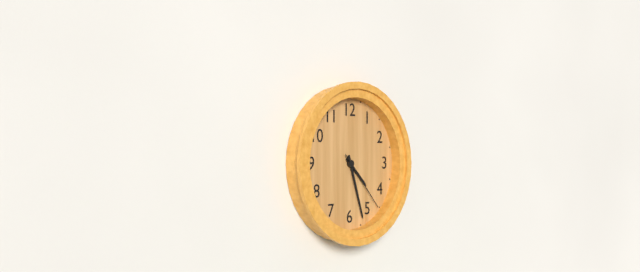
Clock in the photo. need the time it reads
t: 4:27:23
